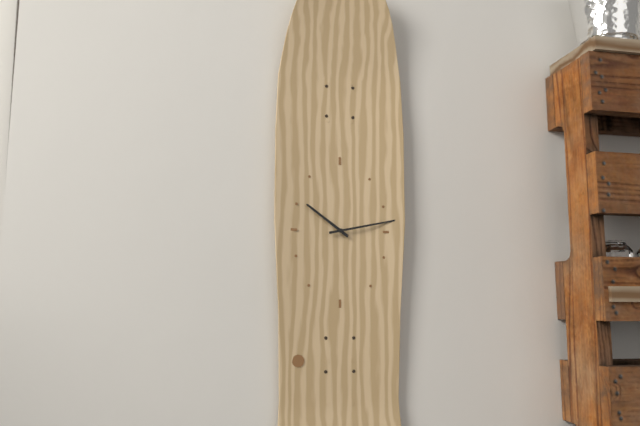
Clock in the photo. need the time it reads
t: 10:13
